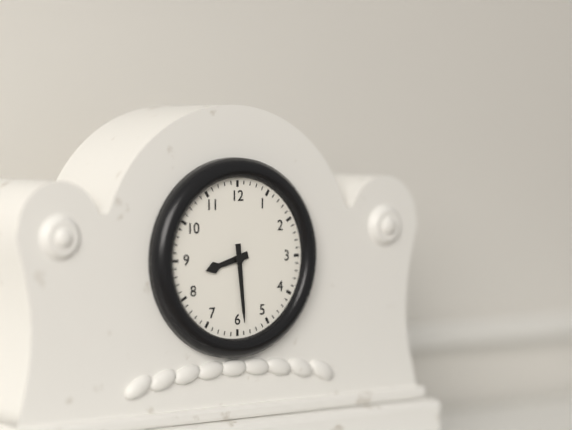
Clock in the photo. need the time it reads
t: 8:29
